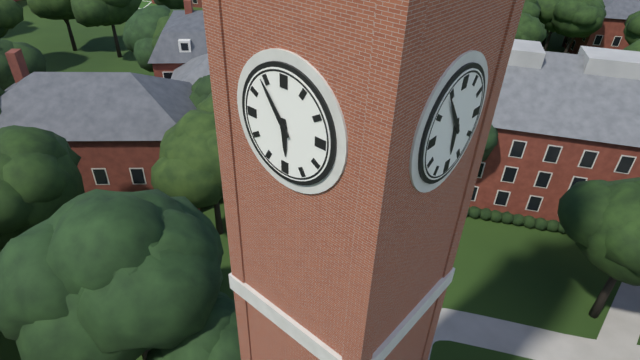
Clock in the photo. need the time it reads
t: 5:54
